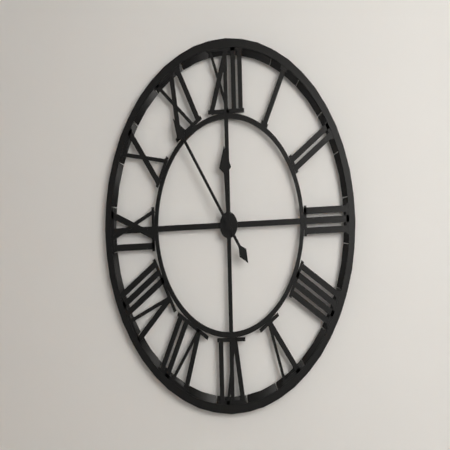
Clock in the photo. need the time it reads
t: 11:54
